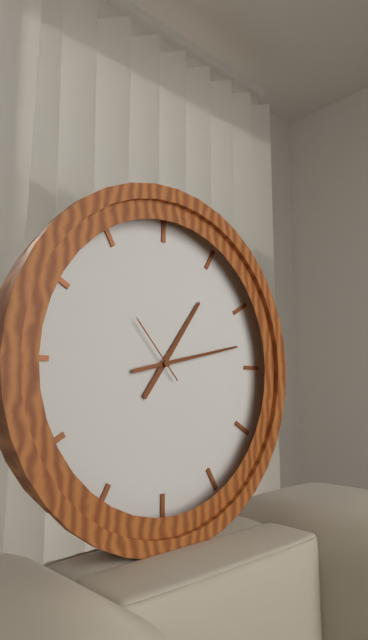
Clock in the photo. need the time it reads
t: 1:13:53
